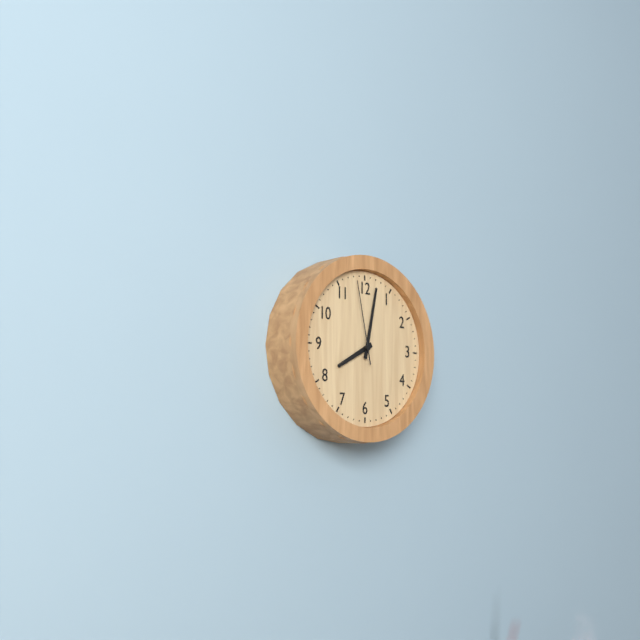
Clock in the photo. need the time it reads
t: 8:02:58
